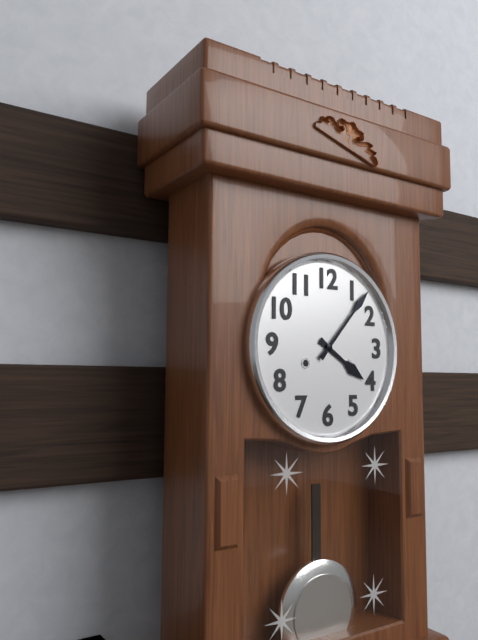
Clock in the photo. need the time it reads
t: 4:07
